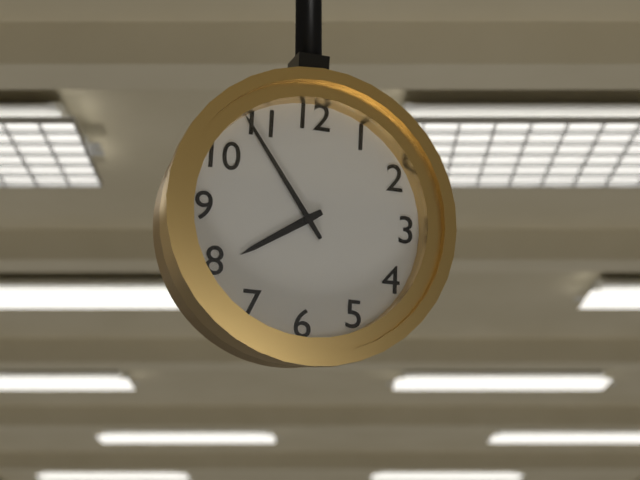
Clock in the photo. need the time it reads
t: 7:54
